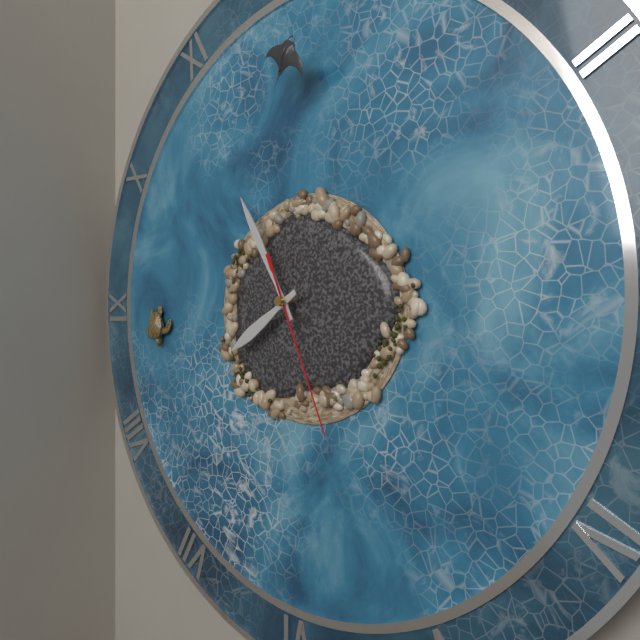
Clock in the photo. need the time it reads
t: 7:55:26
